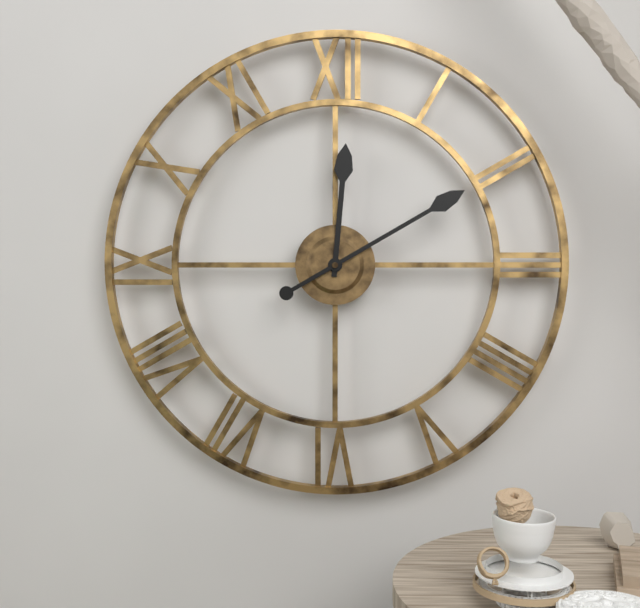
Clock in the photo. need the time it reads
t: 12:10
